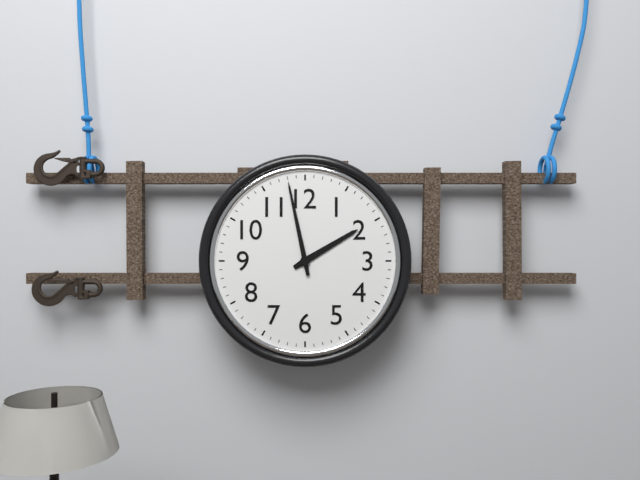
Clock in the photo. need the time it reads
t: 1:58
